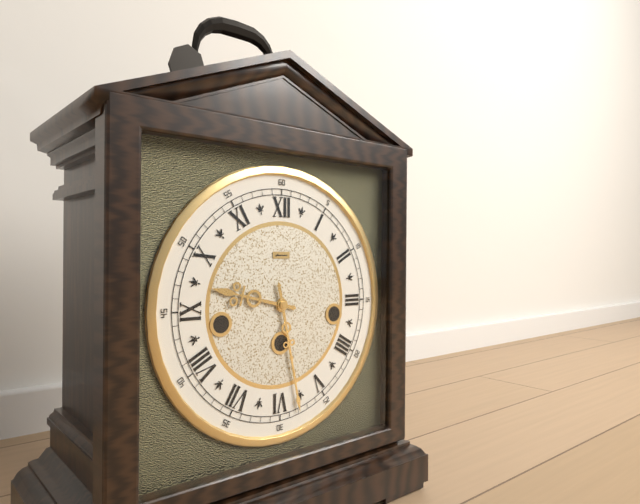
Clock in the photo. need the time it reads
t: 9:28
